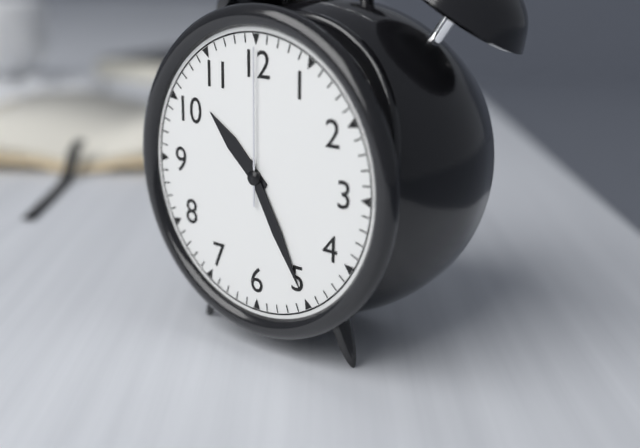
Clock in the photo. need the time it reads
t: 10:25:00
